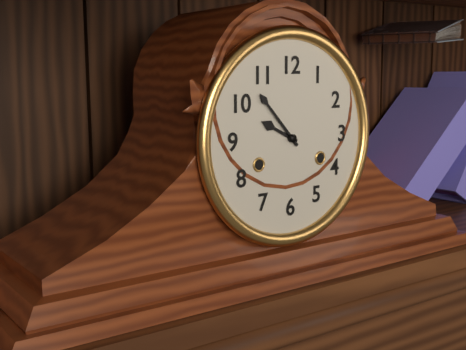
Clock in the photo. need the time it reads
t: 9:53
